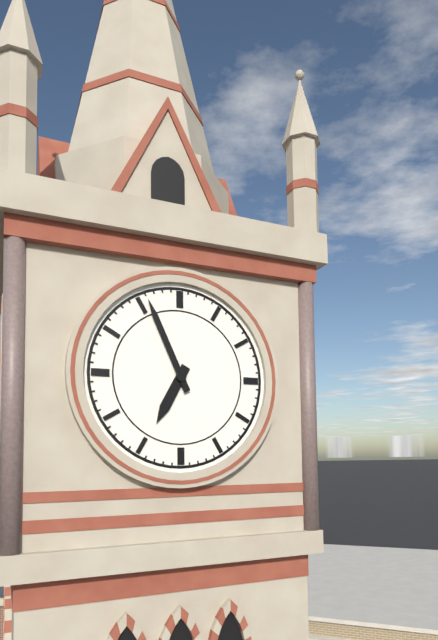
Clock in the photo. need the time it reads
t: 6:56
